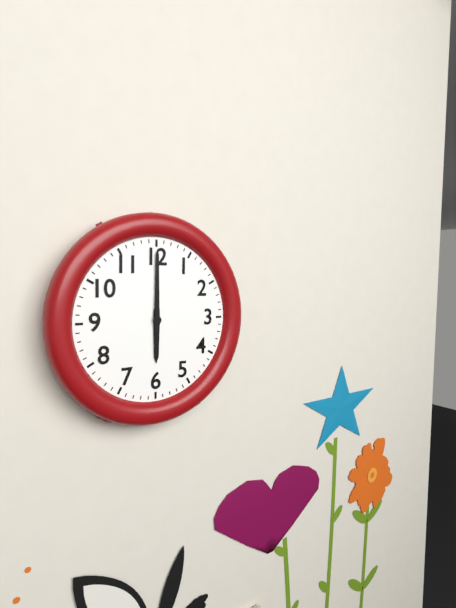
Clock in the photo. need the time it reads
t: 6:00
